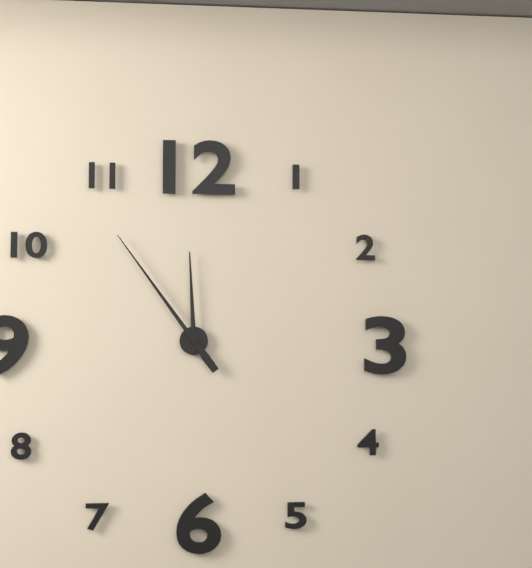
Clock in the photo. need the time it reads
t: 11:54
